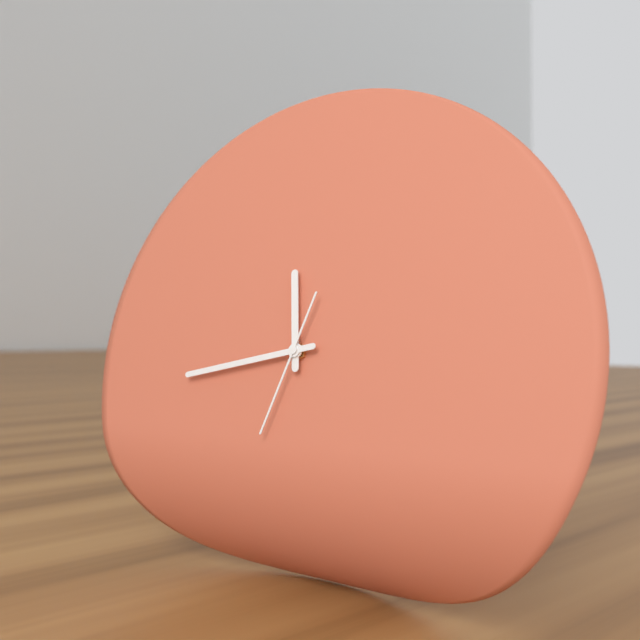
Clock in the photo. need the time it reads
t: 11:43:33
